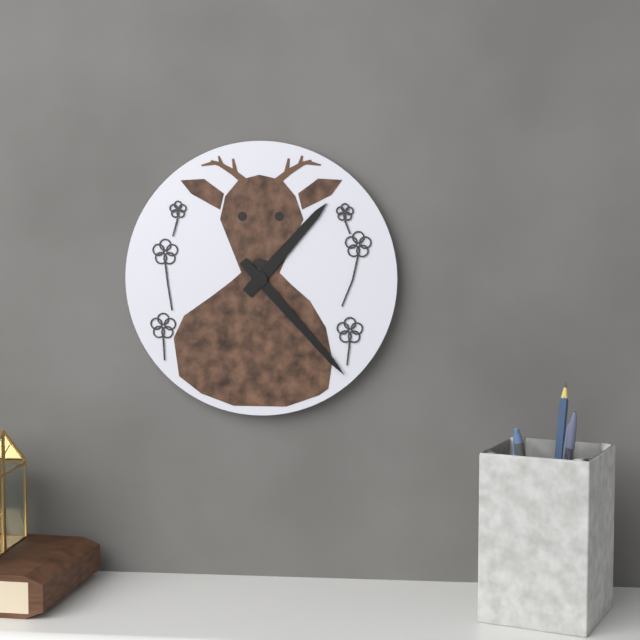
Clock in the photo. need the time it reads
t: 1:23
